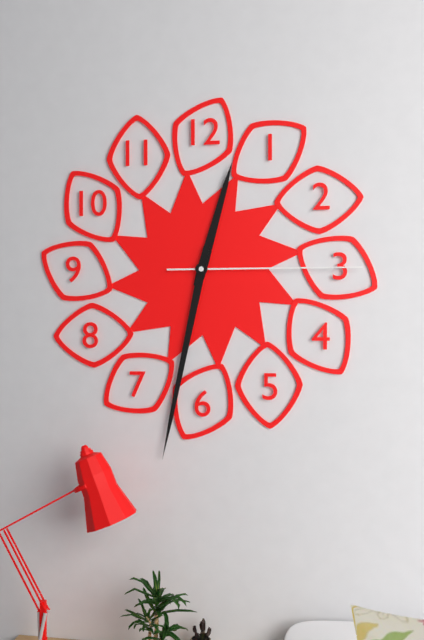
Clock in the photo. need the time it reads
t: 12:32:15
